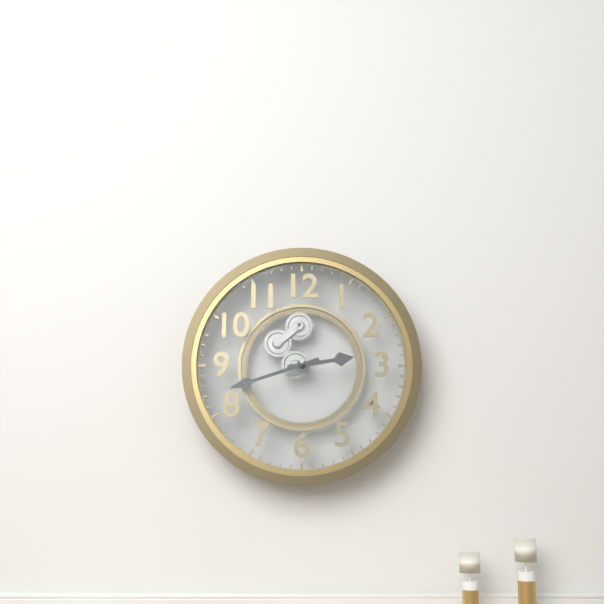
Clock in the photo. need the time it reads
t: 2:42
